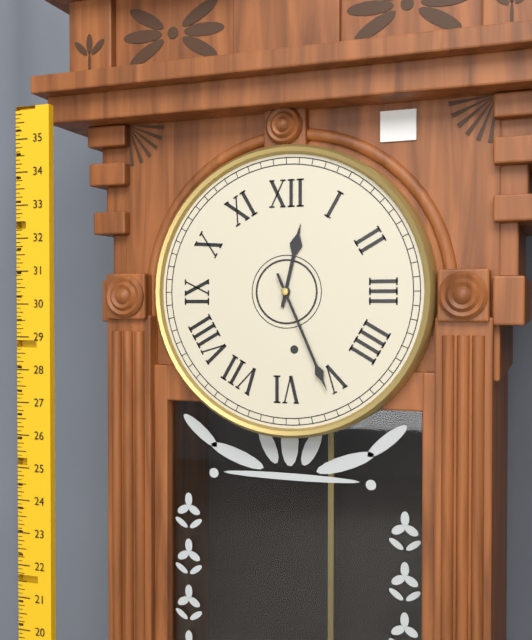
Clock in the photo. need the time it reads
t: 12:26
